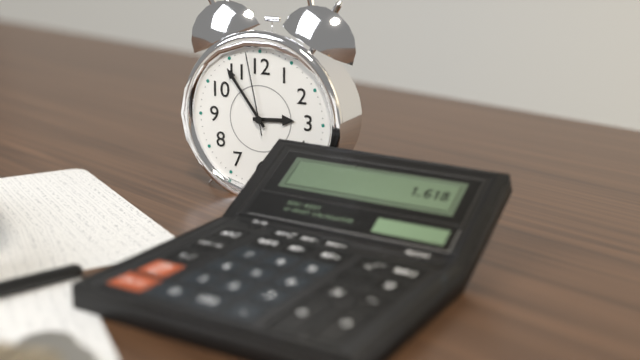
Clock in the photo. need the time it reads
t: 2:54:58
